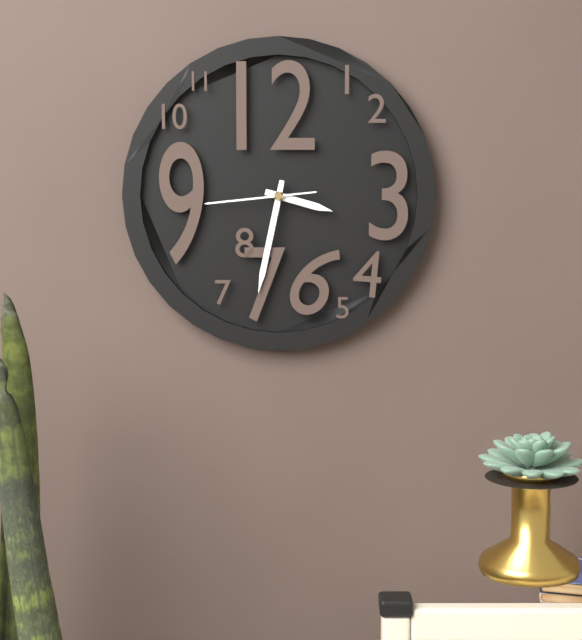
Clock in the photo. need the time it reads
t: 3:32:44
